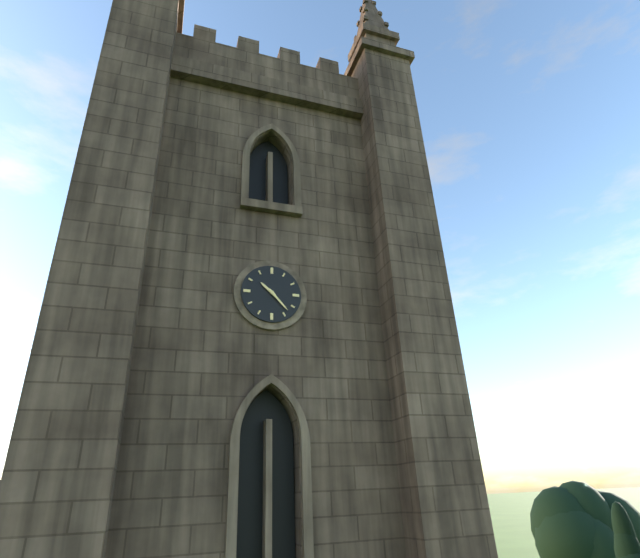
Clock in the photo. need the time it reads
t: 10:23
